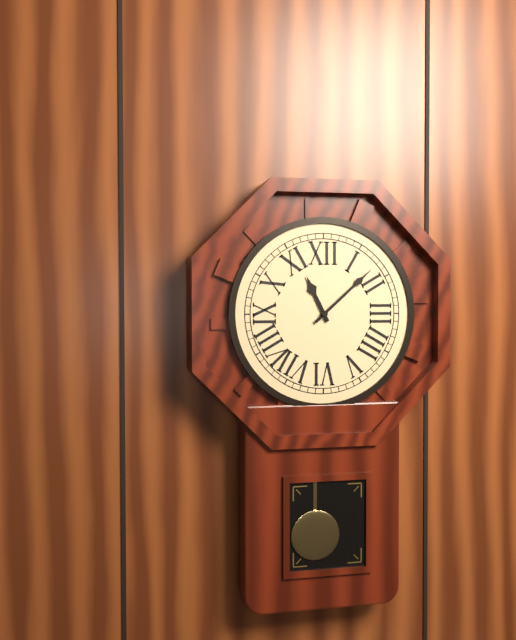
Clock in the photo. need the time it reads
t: 11:08
